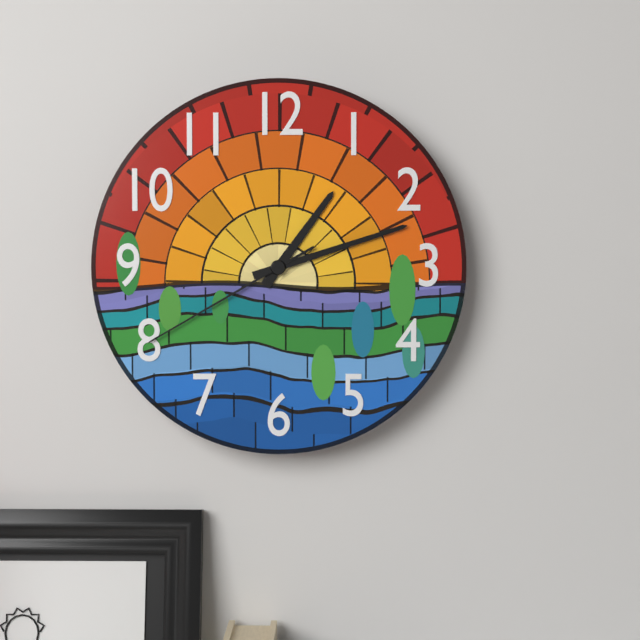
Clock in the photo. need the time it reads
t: 1:12:40
